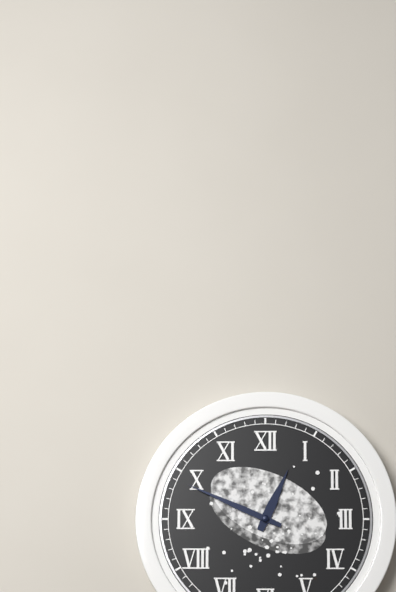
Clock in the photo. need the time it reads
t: 12:49
